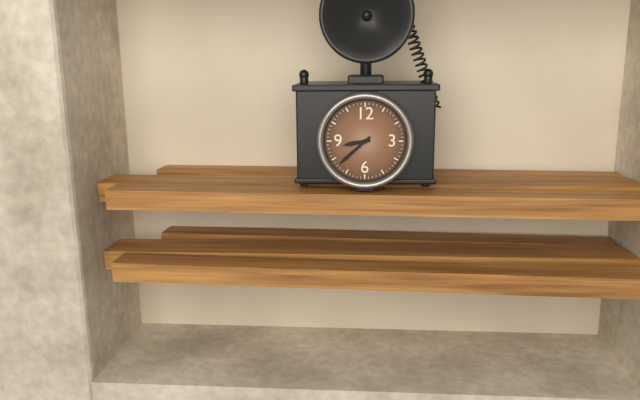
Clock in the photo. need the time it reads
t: 8:38
